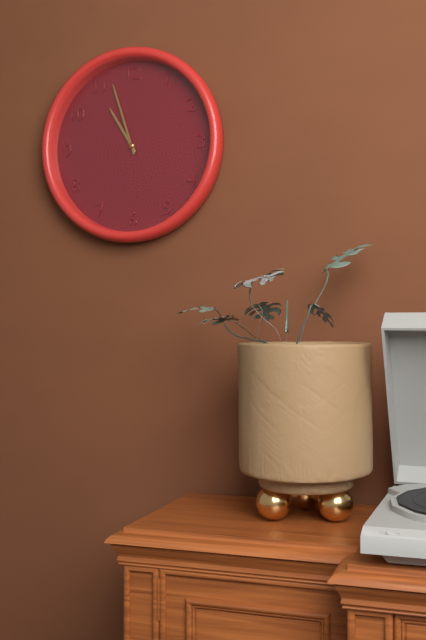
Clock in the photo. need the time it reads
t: 10:57
